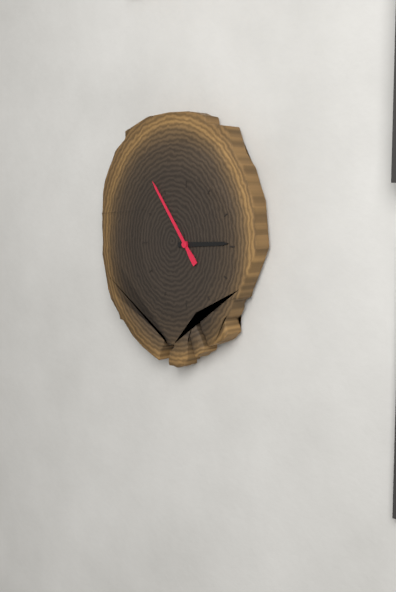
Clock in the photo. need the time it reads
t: 2:54
